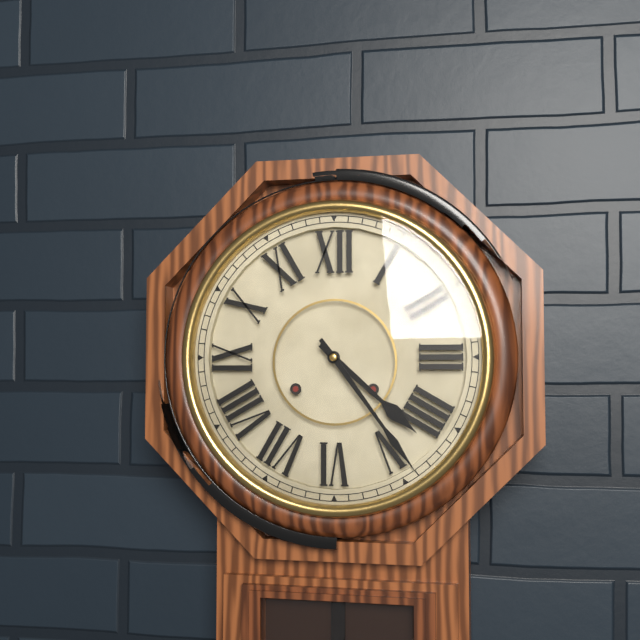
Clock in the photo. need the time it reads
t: 4:24
